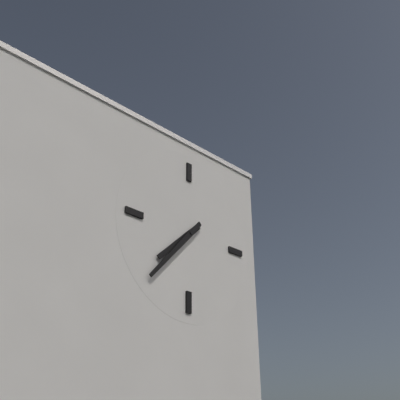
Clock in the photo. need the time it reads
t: 7:37
